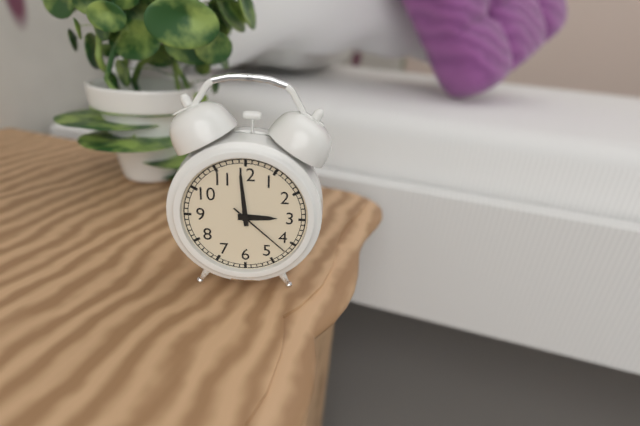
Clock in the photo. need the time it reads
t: 2:59:22
